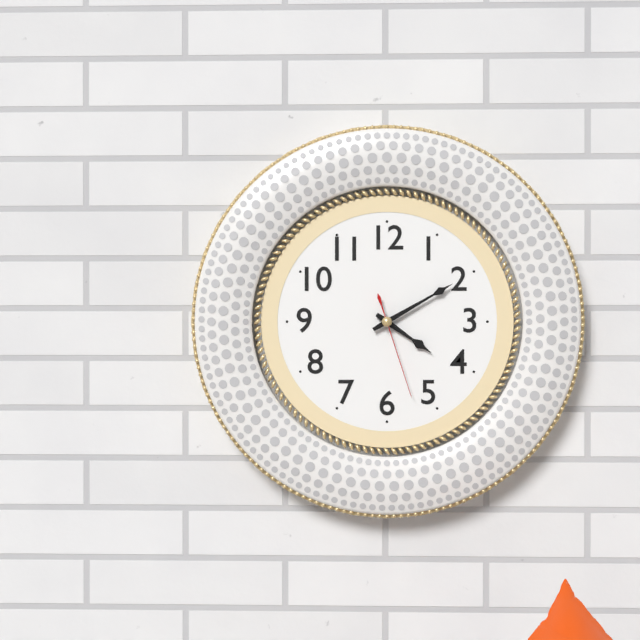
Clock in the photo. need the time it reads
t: 4:10:27
